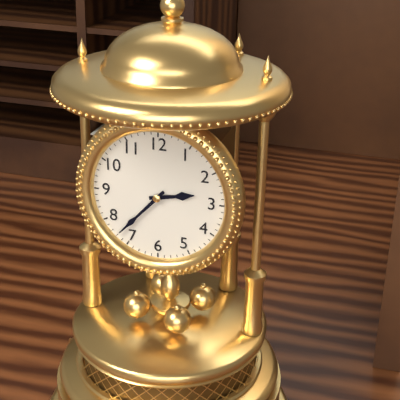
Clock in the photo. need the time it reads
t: 2:37
